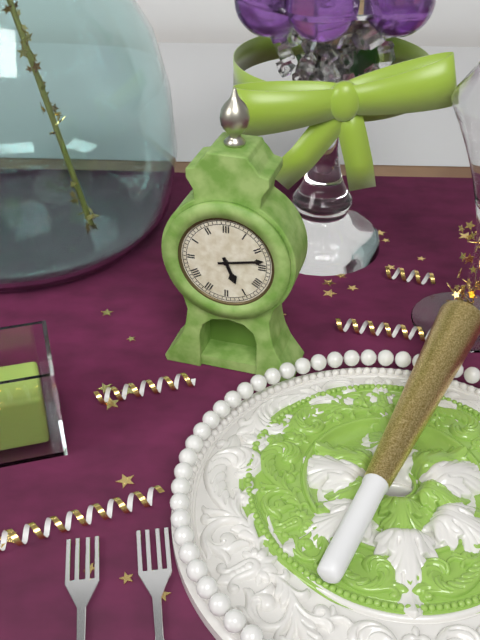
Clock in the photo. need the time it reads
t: 5:13
